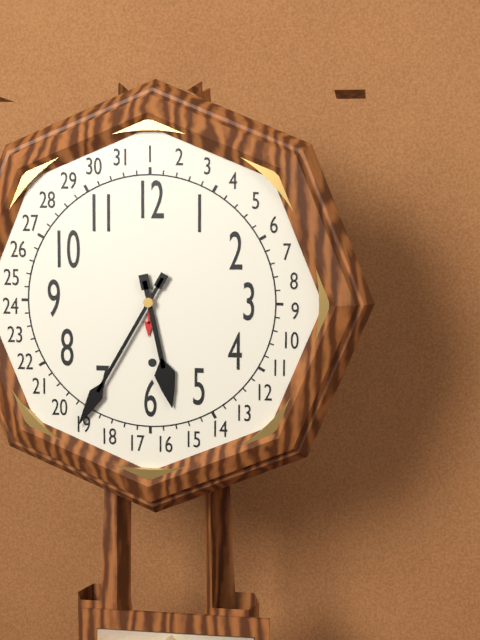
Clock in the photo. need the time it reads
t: 5:35
